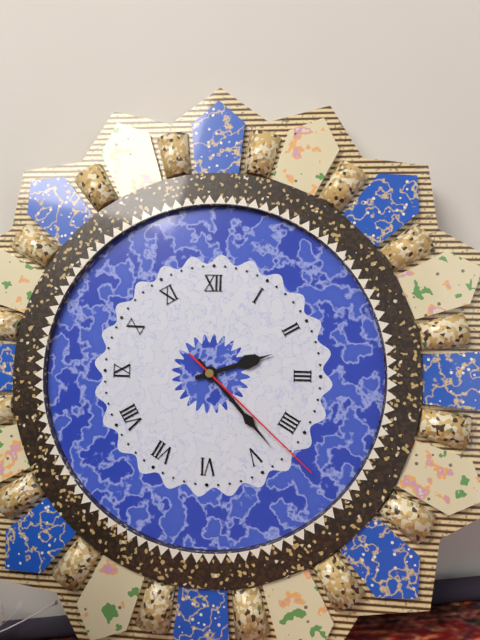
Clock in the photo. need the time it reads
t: 2:23:22
